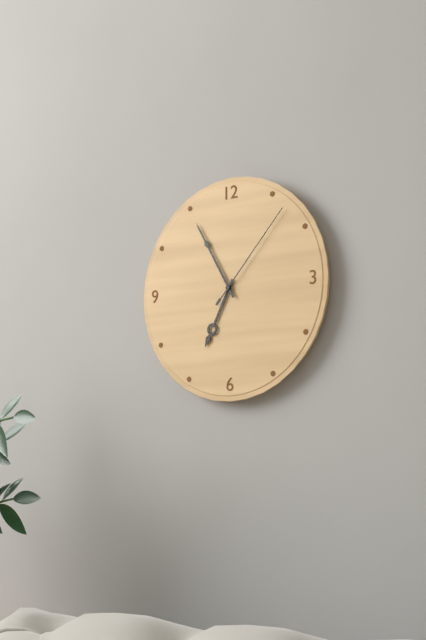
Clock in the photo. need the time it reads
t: 6:55:07
